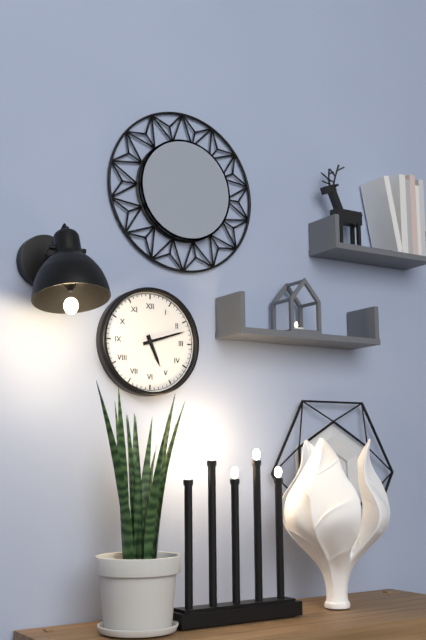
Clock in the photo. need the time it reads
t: 5:12
